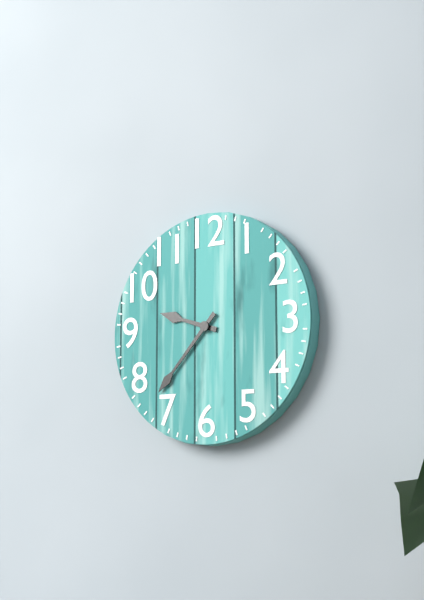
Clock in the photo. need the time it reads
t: 9:37
